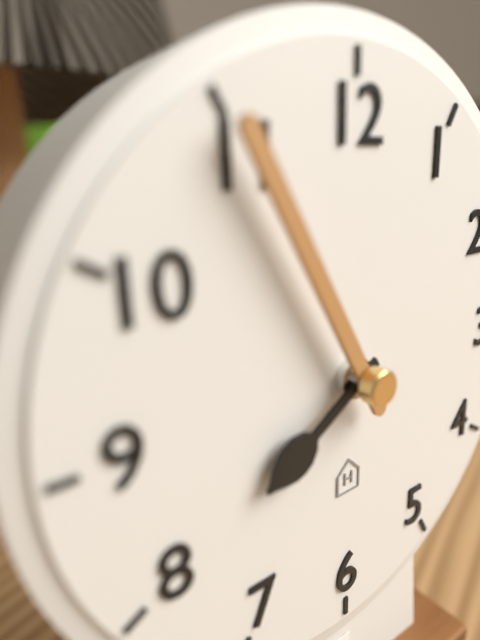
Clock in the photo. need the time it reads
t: 7:55
